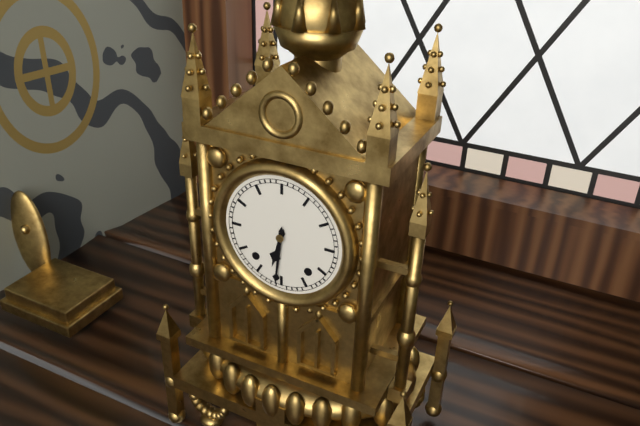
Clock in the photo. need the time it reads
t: 6:31
